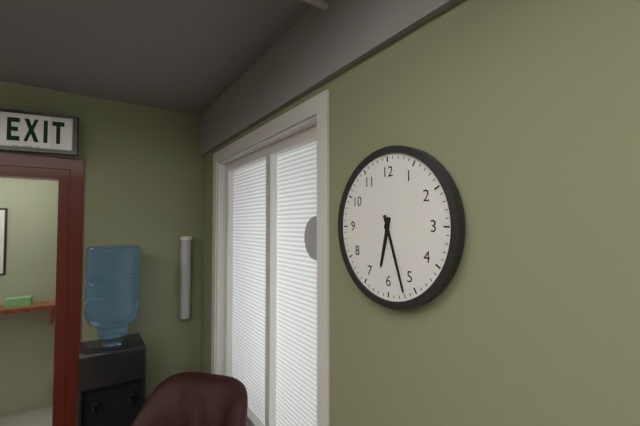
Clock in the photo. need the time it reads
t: 6:27
